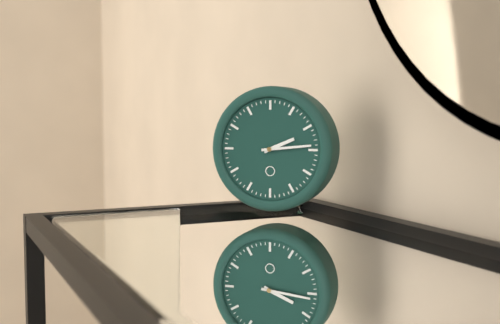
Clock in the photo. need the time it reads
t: 2:14
